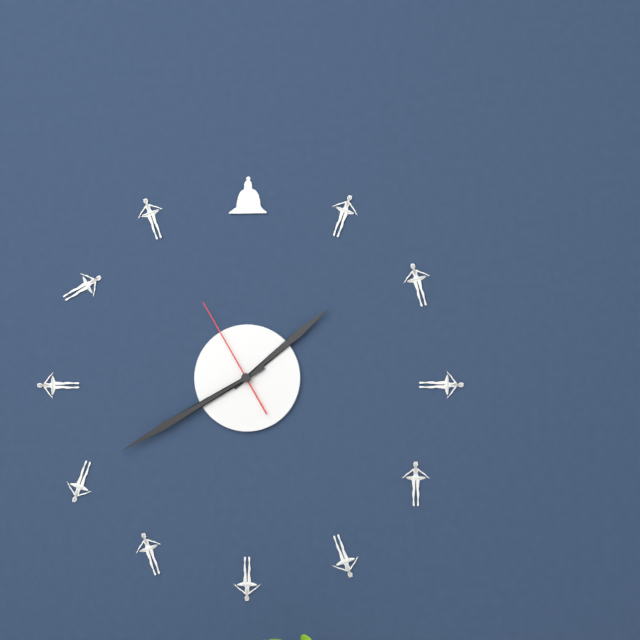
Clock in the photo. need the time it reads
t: 1:40:55
